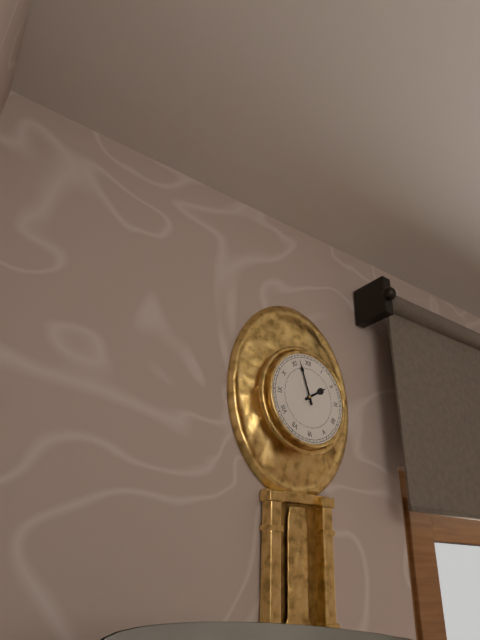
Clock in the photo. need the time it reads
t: 1:57
